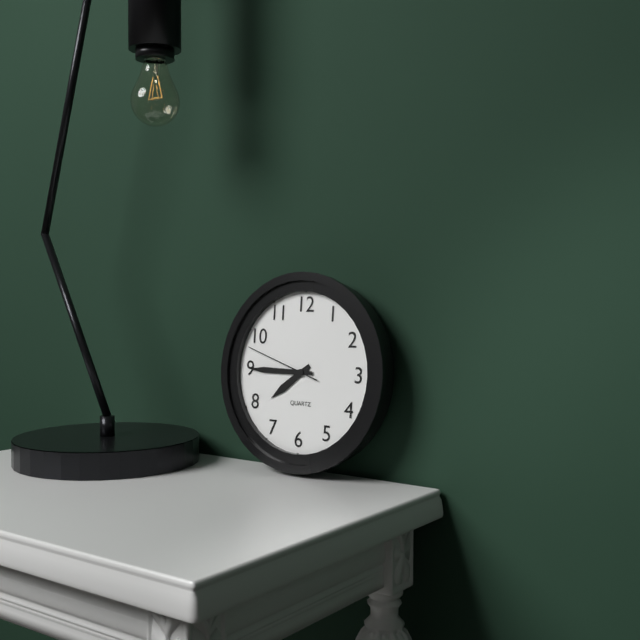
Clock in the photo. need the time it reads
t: 7:45:48
